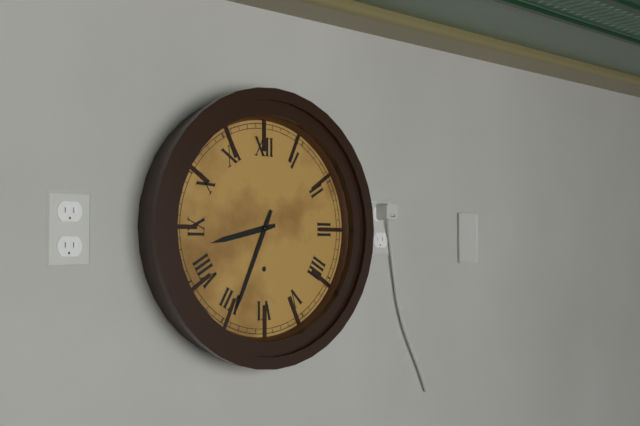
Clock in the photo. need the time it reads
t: 8:34
